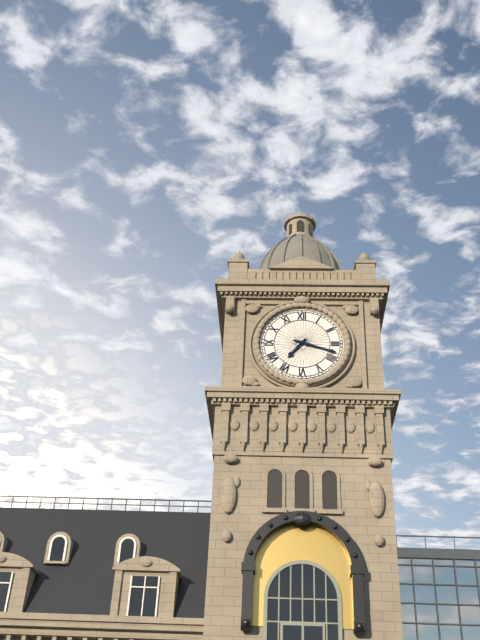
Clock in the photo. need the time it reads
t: 7:18
